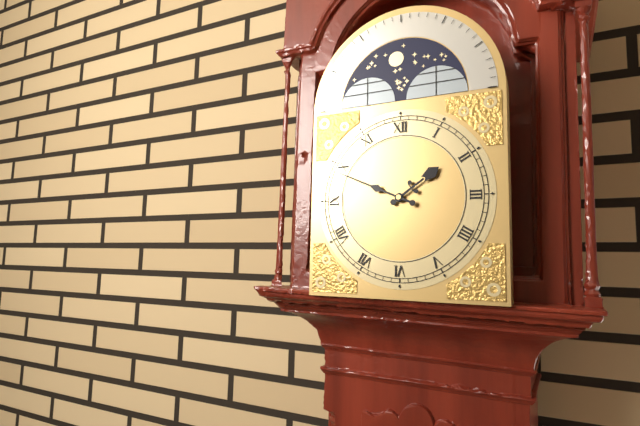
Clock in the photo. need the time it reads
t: 1:49
